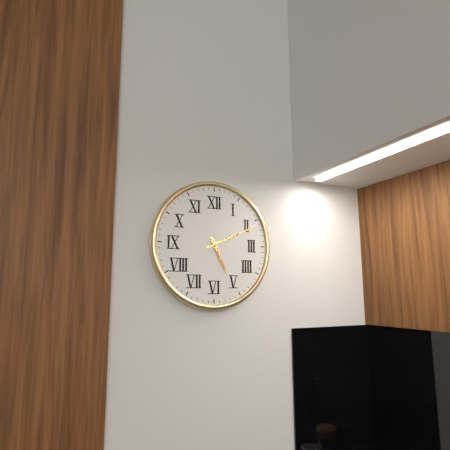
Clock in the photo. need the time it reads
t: 5:11
